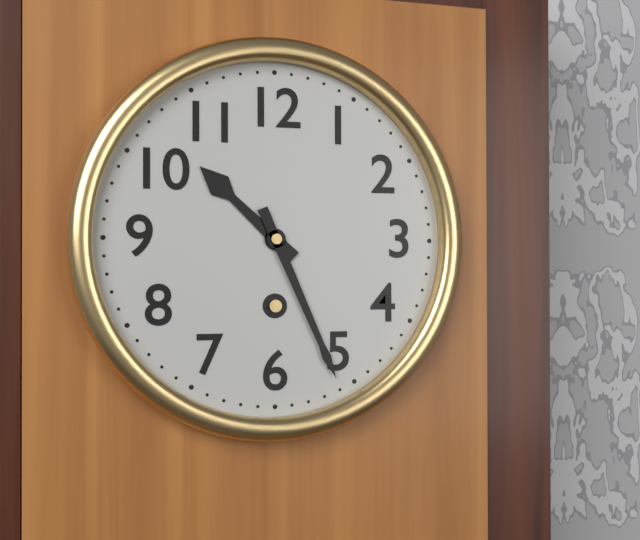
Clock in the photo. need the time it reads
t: 10:26
